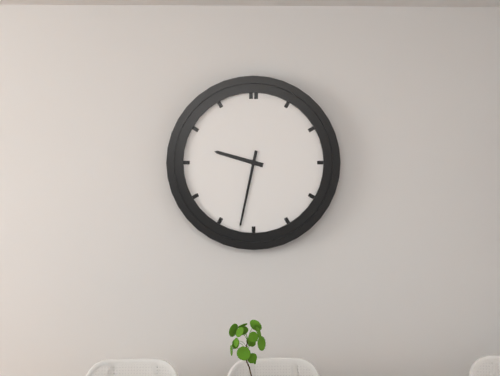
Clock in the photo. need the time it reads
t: 9:32
